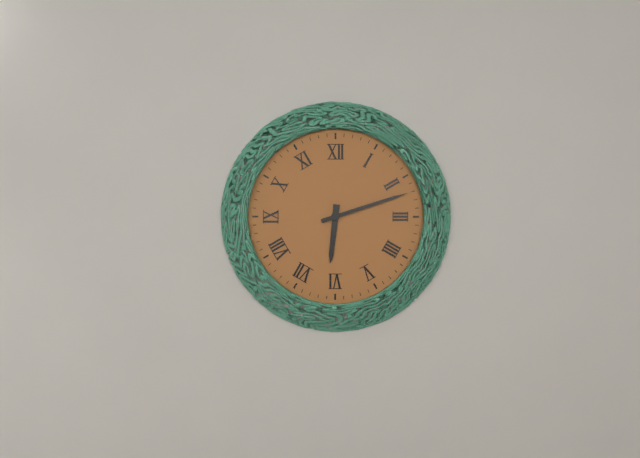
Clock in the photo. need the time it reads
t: 6:12
